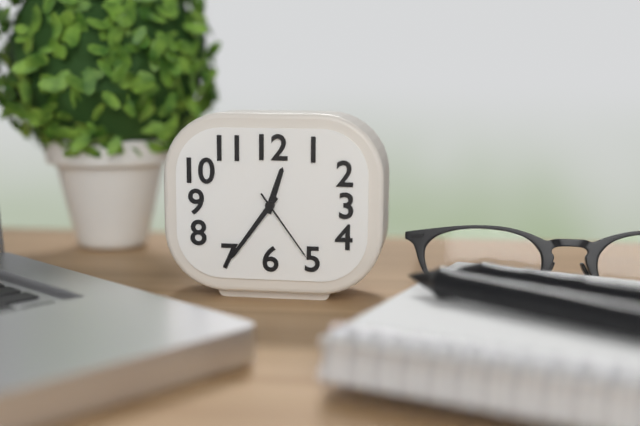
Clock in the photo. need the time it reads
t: 12:36:24
